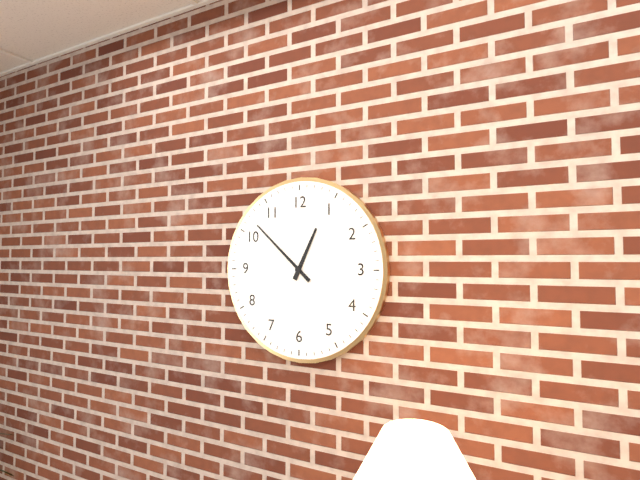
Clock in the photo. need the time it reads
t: 12:52
